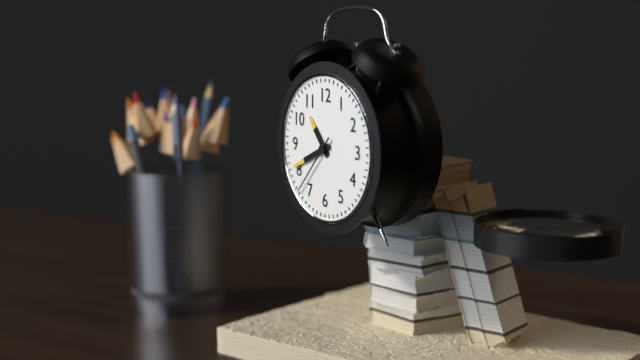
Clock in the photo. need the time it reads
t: 10:41:37
